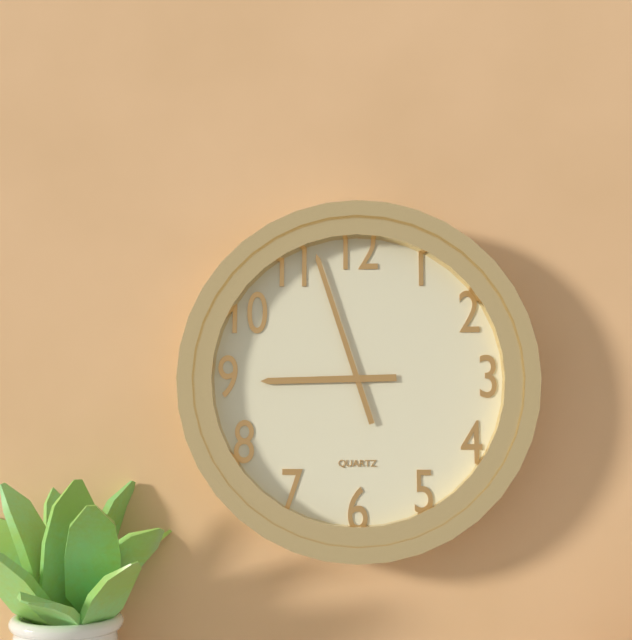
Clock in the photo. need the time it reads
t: 8:57
